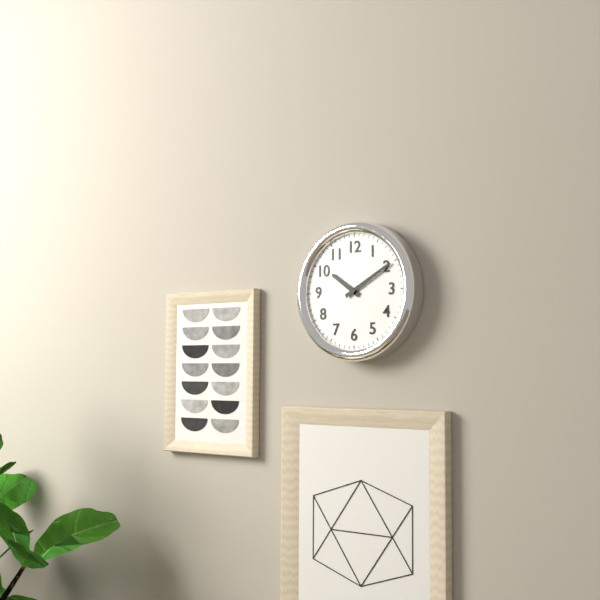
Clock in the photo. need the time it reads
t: 10:10
